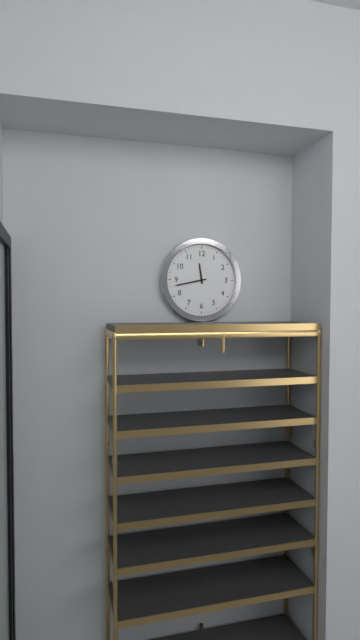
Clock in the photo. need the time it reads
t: 11:43
